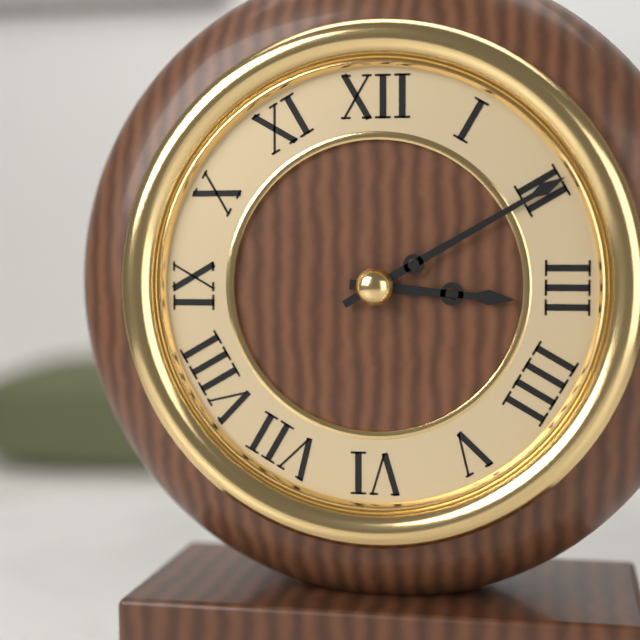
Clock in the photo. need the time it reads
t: 3:10
